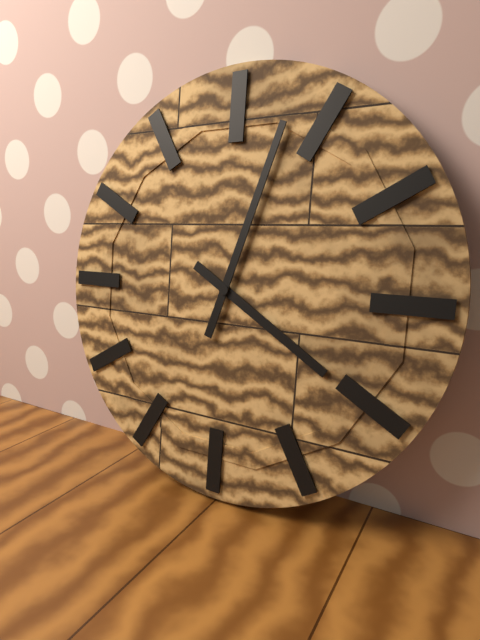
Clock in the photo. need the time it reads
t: 4:03
